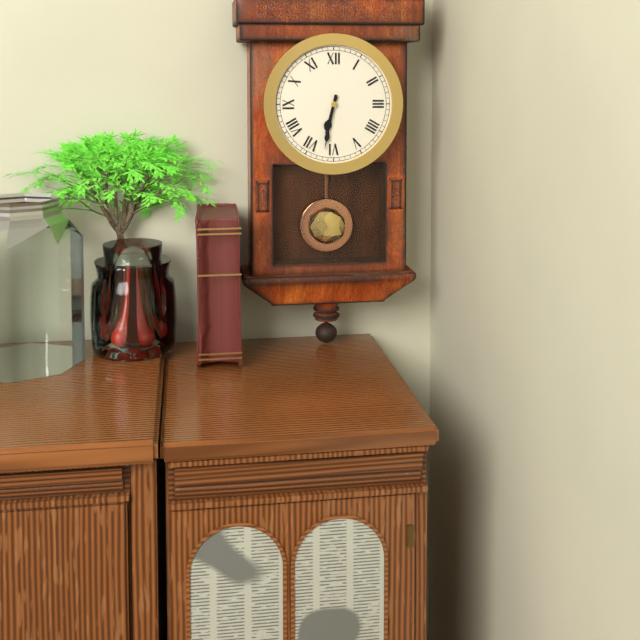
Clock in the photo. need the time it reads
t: 6:32
